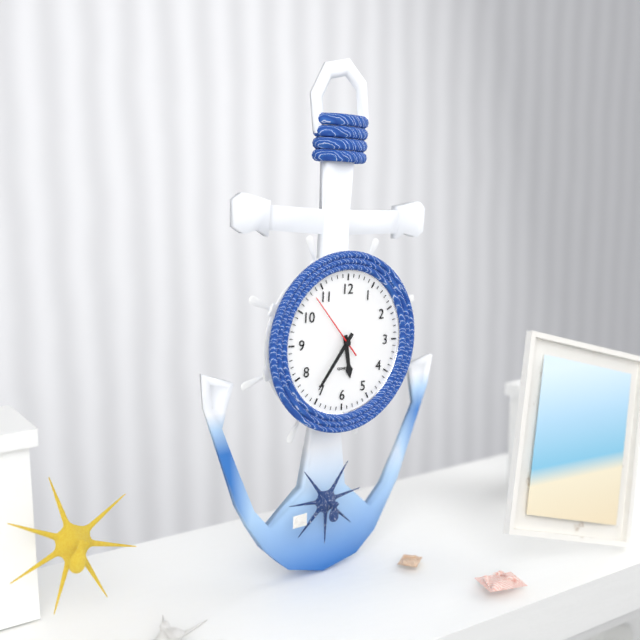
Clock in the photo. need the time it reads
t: 5:36:53
